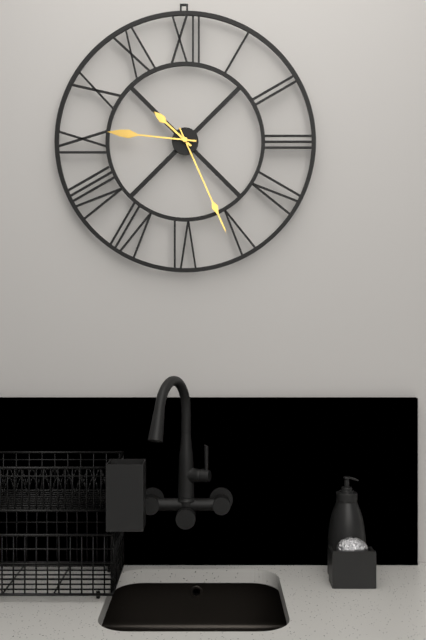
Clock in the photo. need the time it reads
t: 10:26:46
